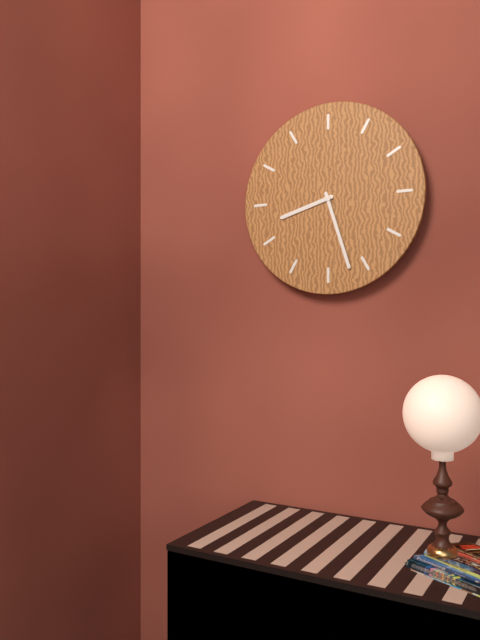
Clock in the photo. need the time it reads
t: 8:27
